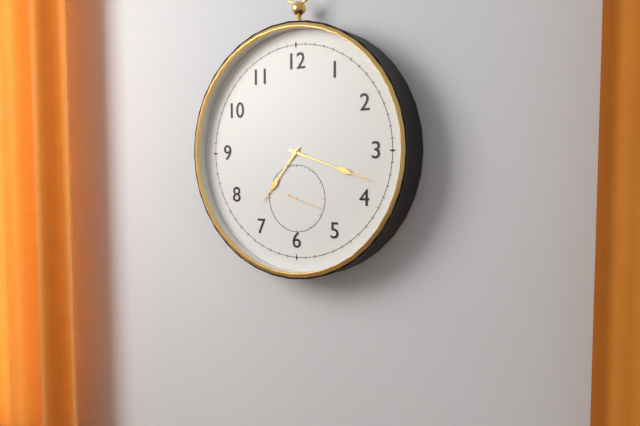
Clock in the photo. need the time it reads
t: 7:18
